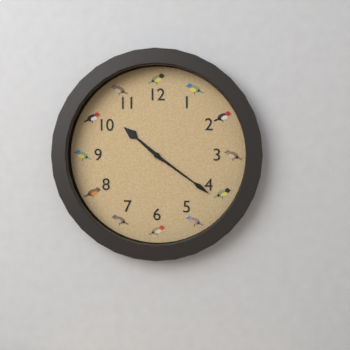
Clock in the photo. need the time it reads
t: 10:21
